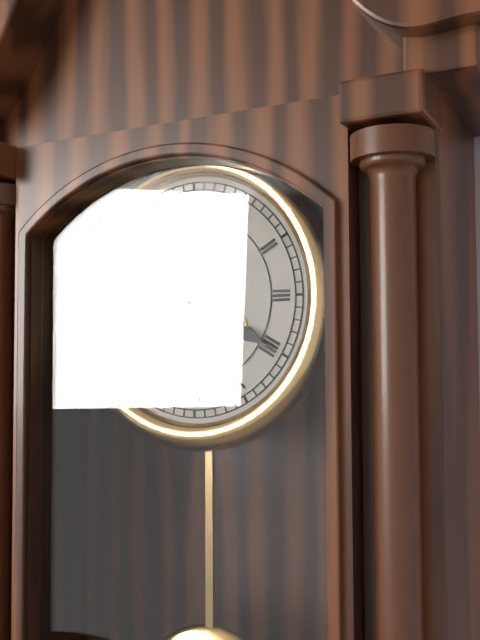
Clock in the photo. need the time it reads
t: 9:20
